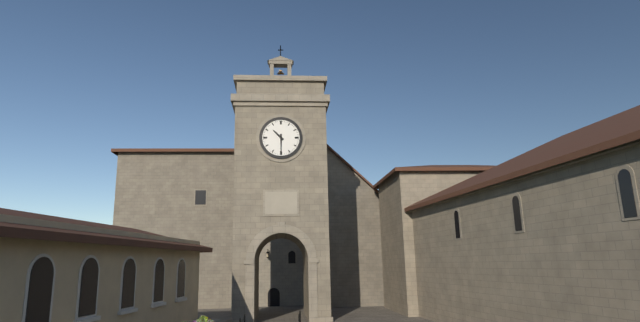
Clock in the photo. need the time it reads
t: 10:30
